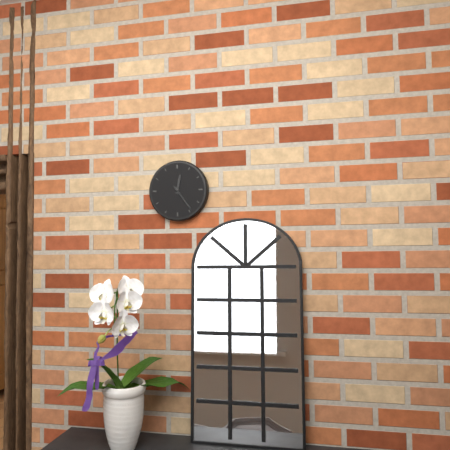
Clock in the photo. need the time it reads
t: 12:24
